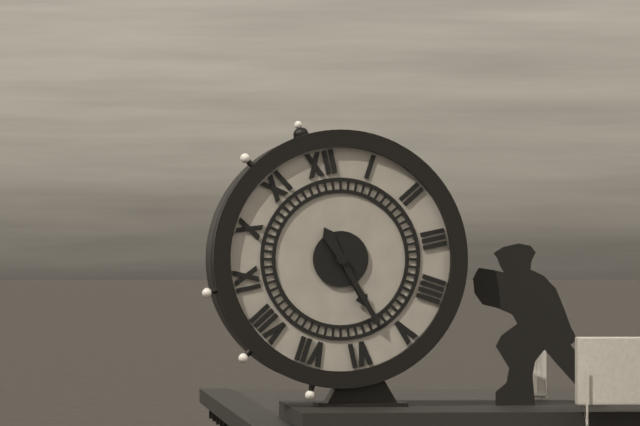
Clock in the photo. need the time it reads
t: 5:27
